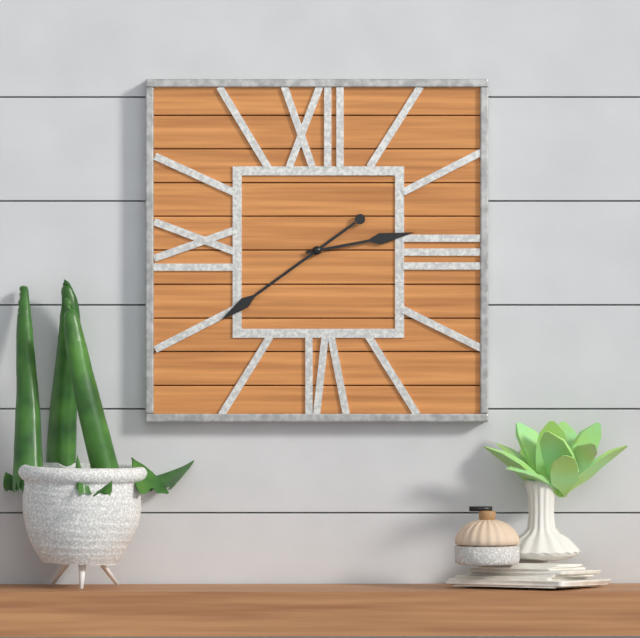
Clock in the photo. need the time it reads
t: 2:39
